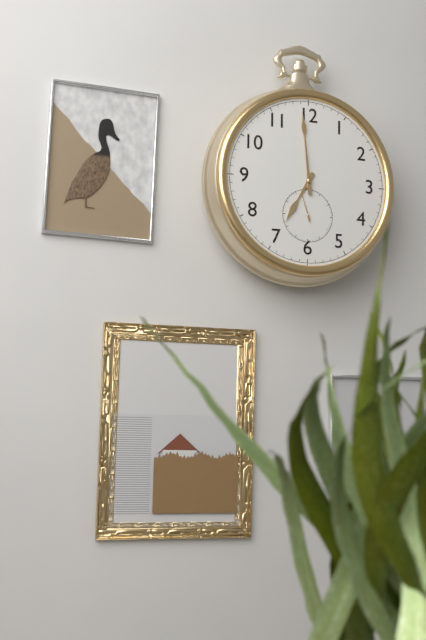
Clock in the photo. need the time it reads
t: 6:59
